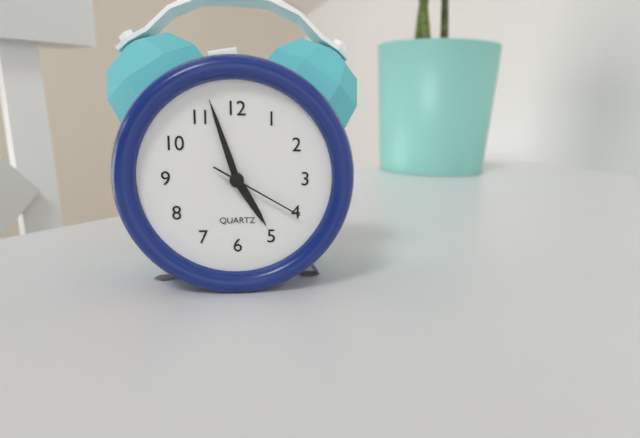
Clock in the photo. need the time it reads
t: 4:57:20
